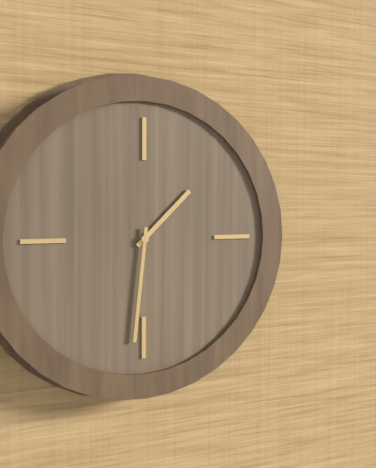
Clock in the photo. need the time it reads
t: 1:31
